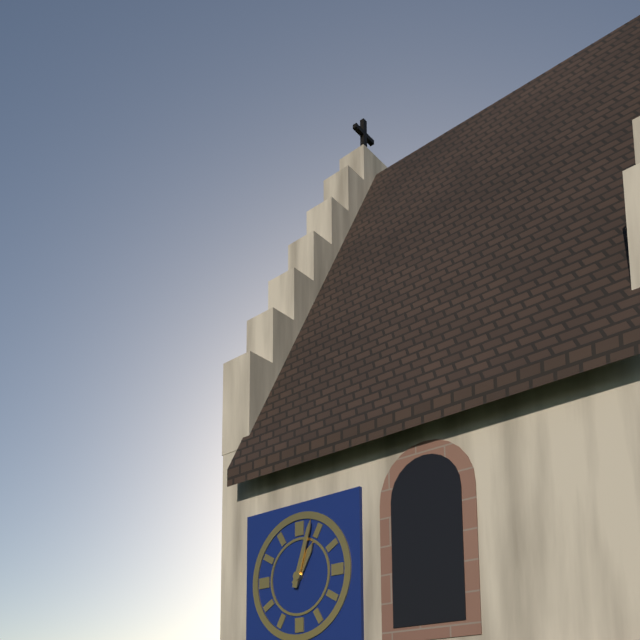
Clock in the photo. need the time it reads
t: 1:03
